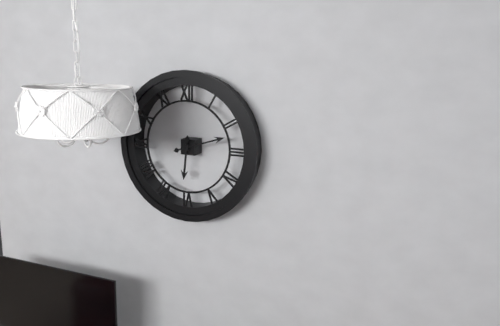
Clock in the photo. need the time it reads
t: 6:12
